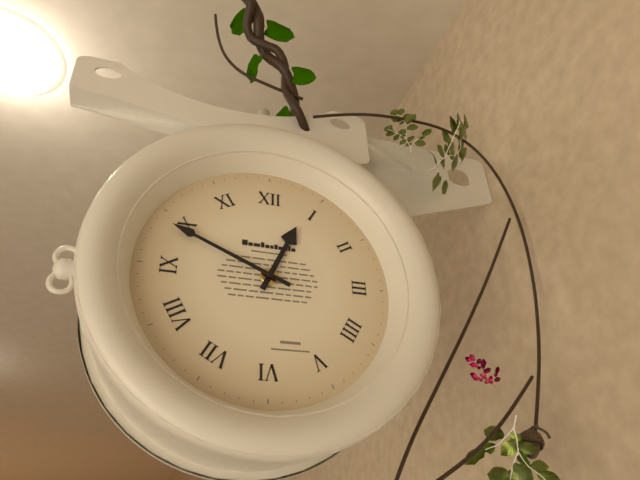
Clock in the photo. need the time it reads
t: 12:49
